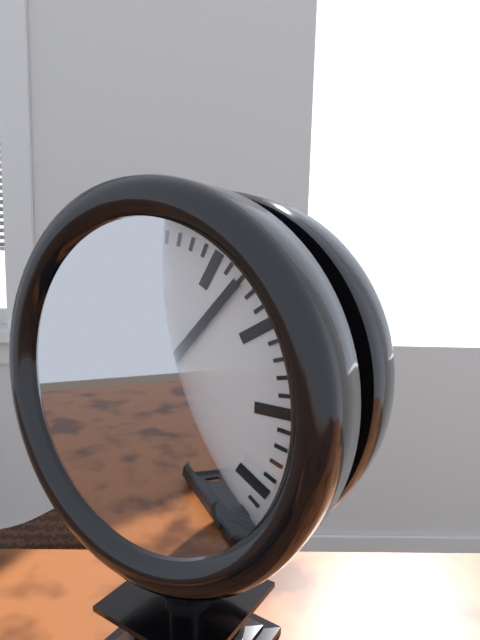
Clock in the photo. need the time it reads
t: 12:07:43
